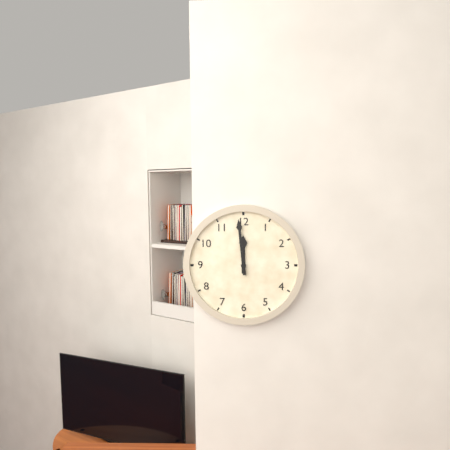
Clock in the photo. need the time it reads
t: 11:59
